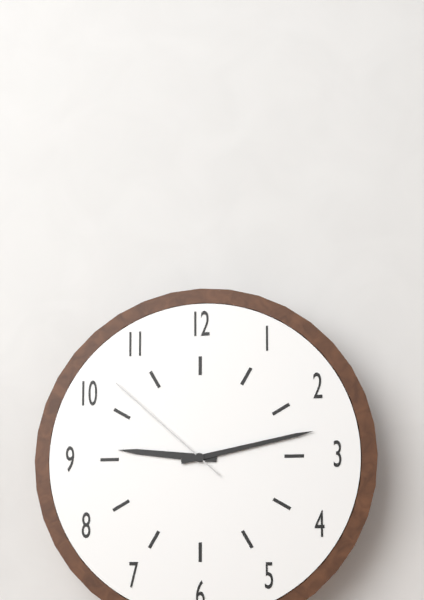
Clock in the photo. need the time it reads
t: 9:13:52
